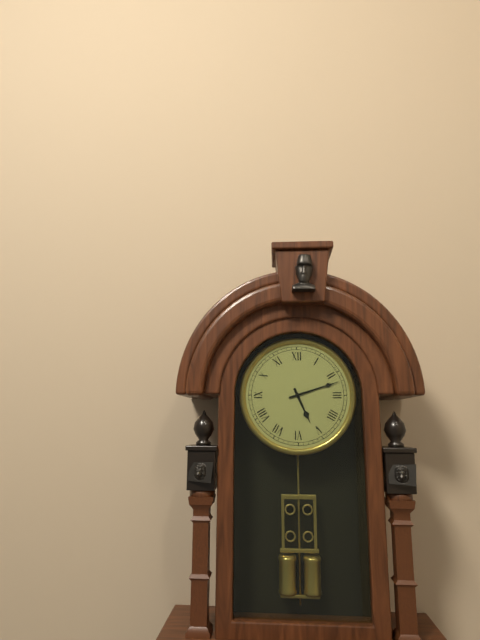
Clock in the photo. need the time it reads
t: 5:12
